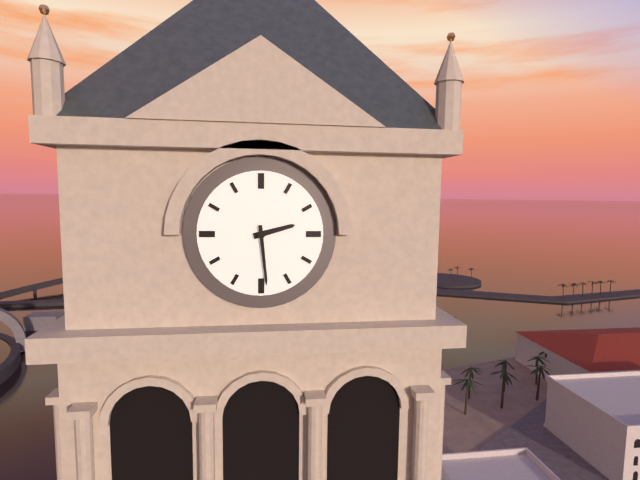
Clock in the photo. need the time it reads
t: 2:29
